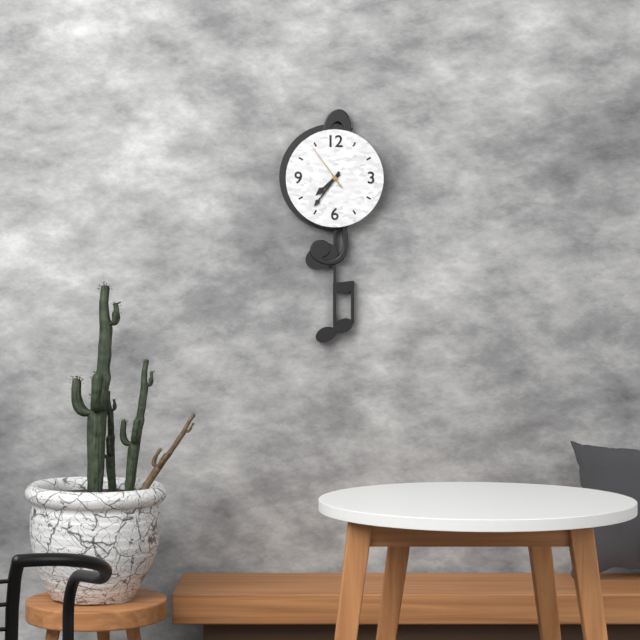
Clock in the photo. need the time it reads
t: 7:36
